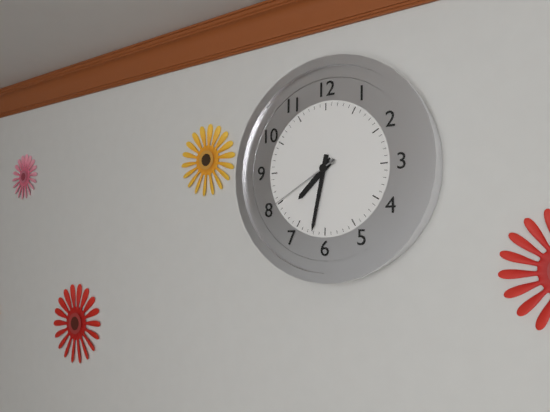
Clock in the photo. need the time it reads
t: 7:32:40
